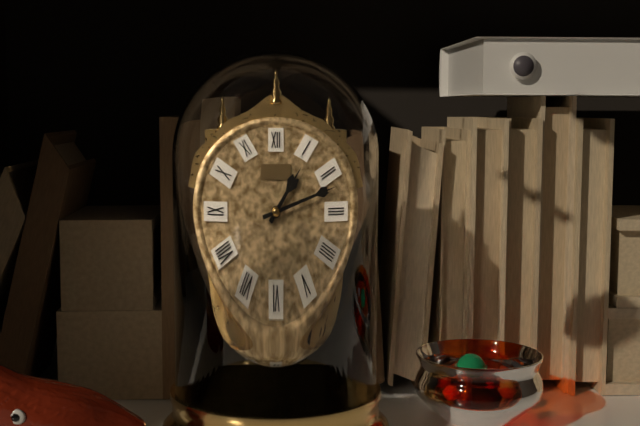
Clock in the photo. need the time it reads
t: 1:12
